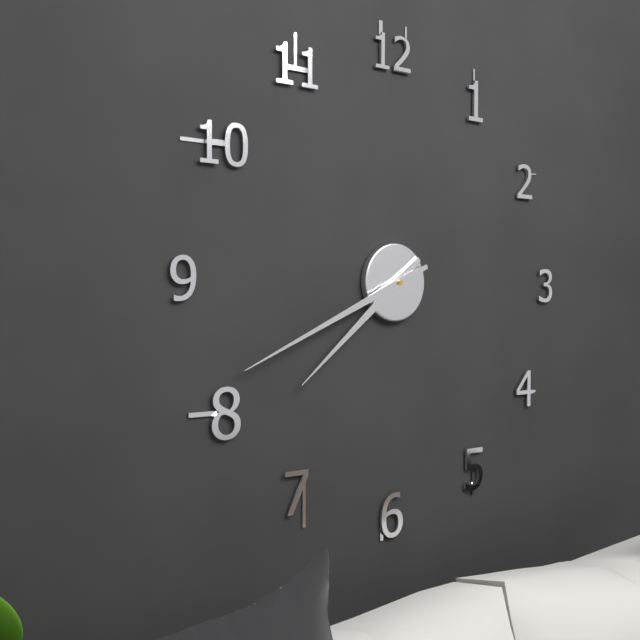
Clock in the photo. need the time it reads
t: 7:41
